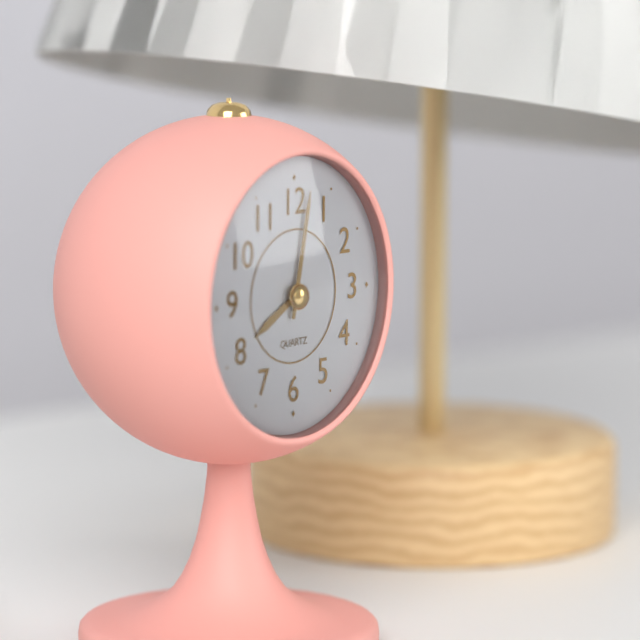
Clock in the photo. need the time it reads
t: 8:02
